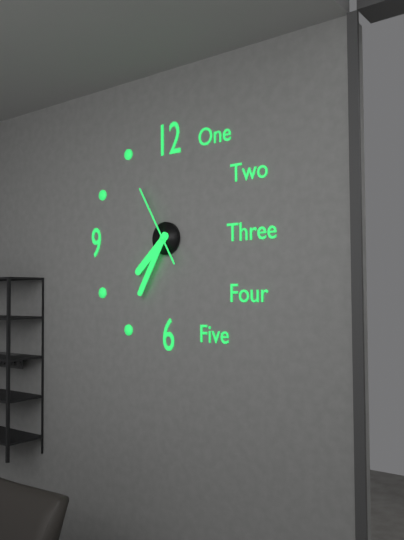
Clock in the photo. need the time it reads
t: 7:35:55
